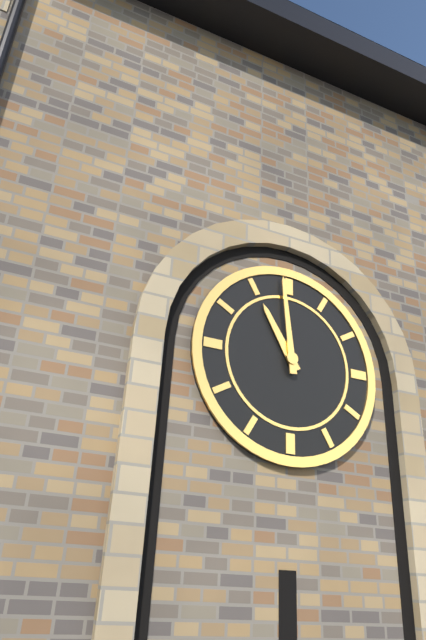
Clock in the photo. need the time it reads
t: 10:59
